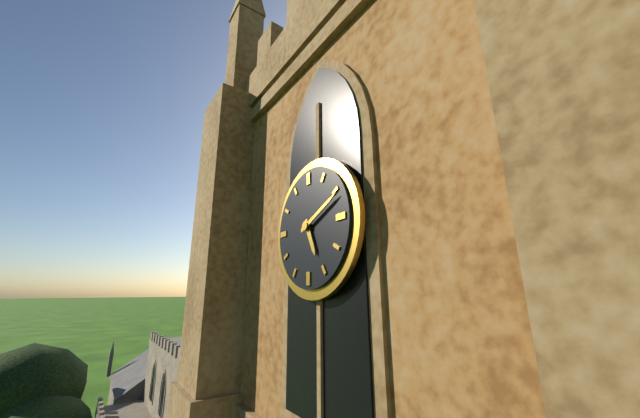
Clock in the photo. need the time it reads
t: 5:11
